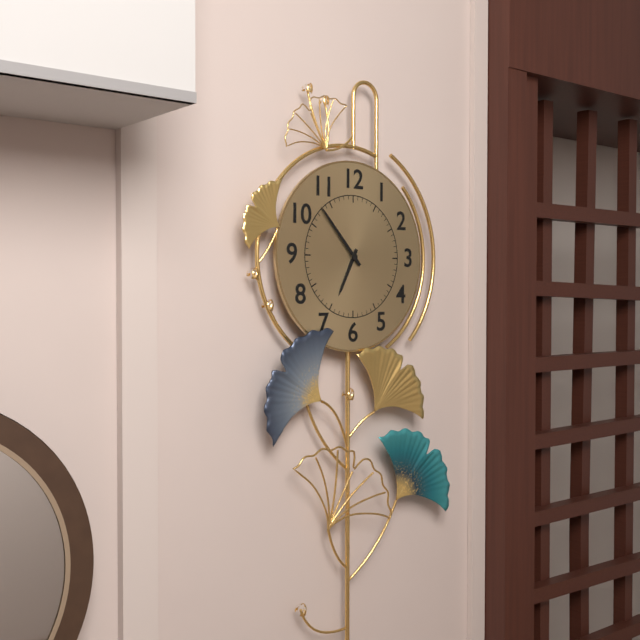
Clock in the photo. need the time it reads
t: 6:53
